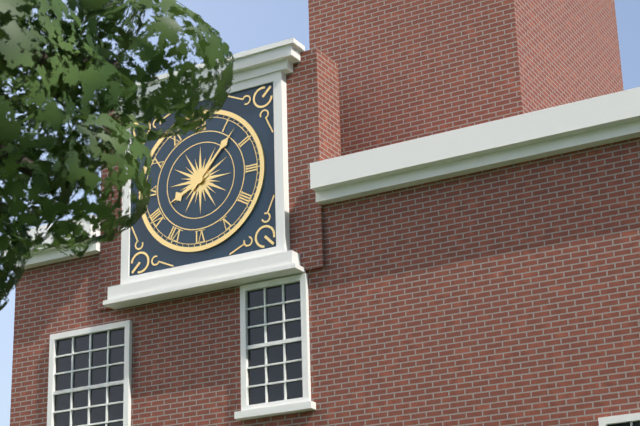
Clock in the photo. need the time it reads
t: 8:07
